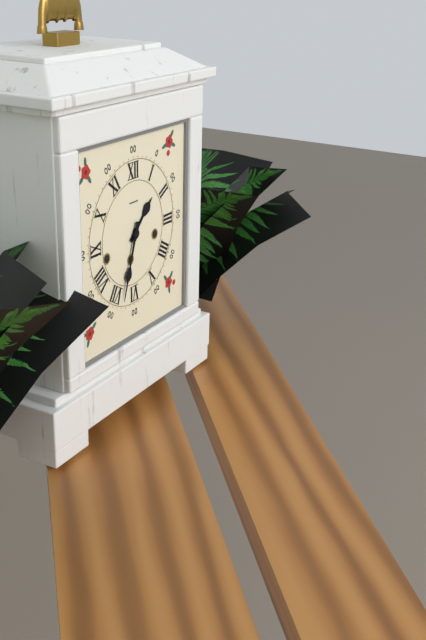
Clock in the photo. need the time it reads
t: 1:33
